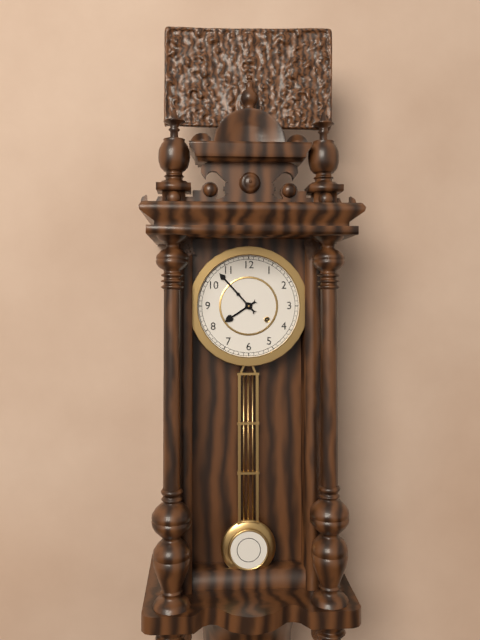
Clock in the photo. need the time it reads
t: 7:53
